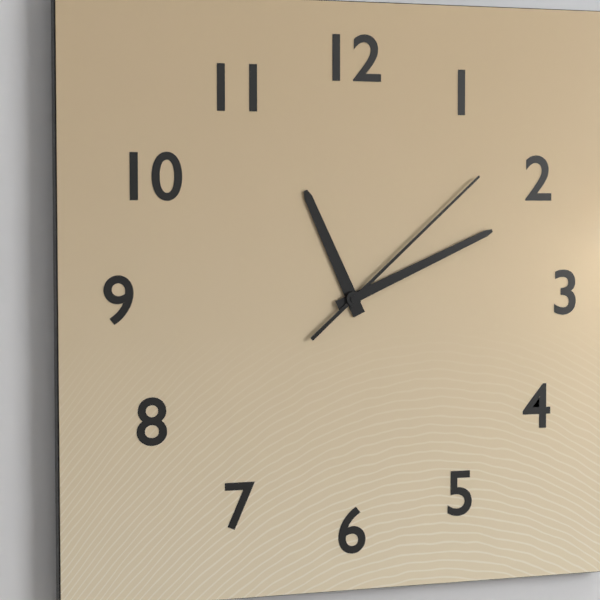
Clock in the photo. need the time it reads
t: 11:11:08
